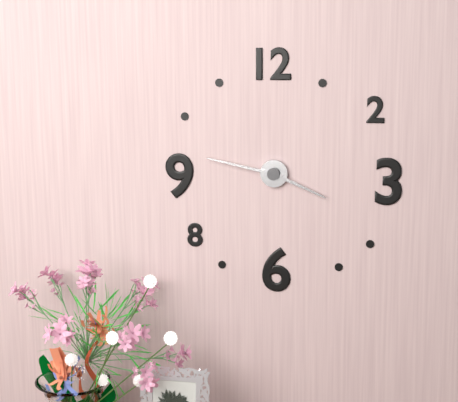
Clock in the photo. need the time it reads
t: 3:47
